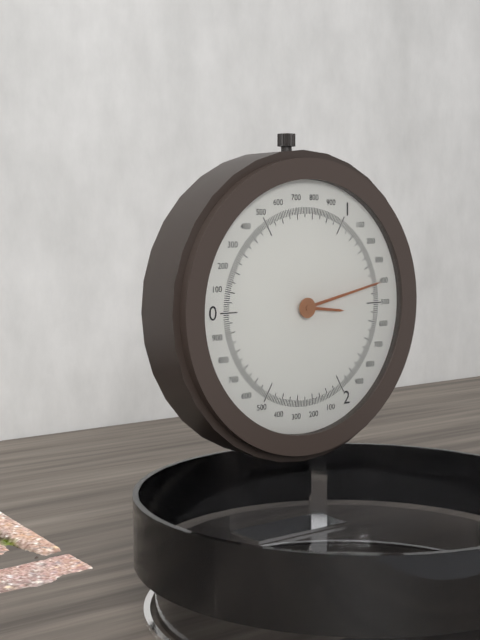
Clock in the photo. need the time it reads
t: 3:13
